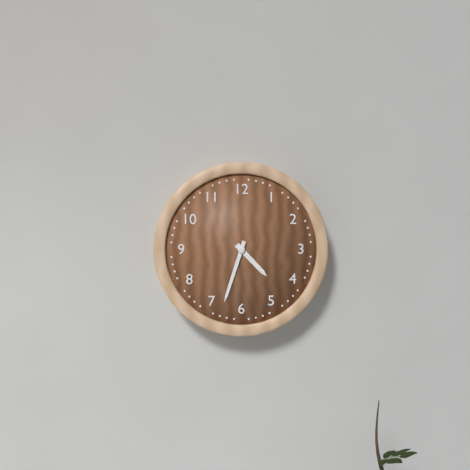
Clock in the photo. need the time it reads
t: 4:33
